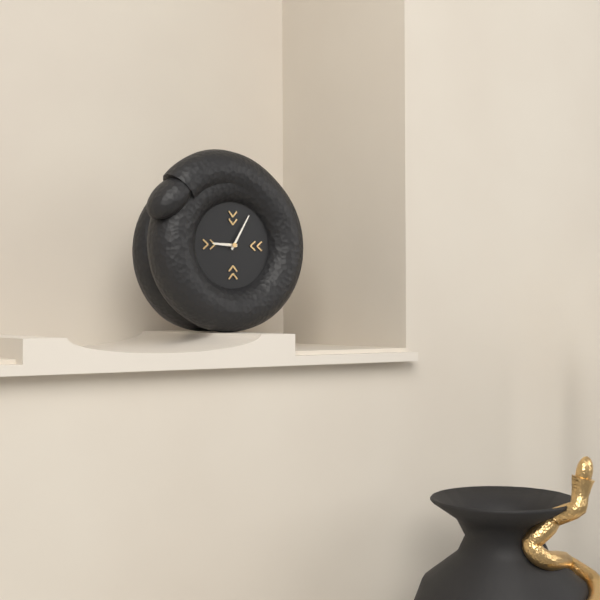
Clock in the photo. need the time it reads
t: 9:05
